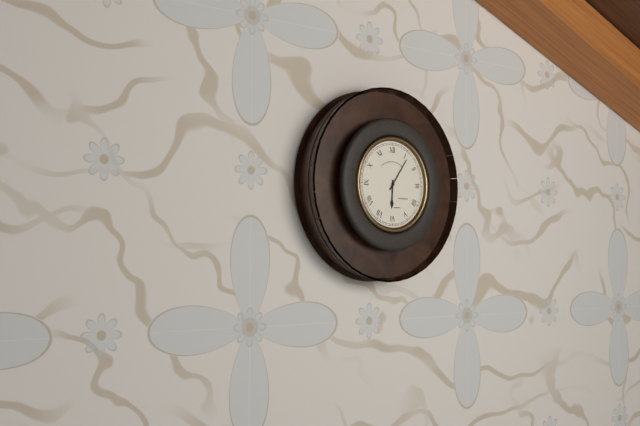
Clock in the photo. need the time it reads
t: 6:06
